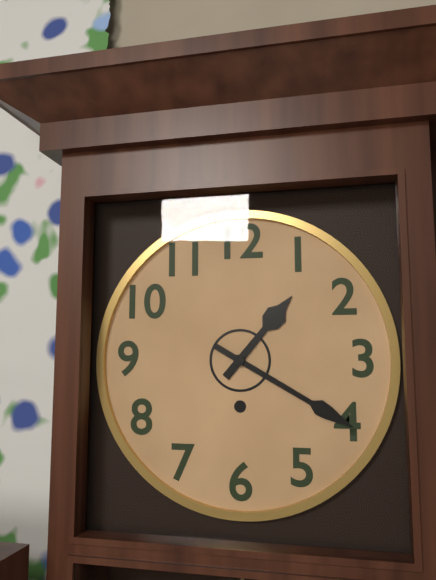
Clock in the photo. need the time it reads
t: 1:20
